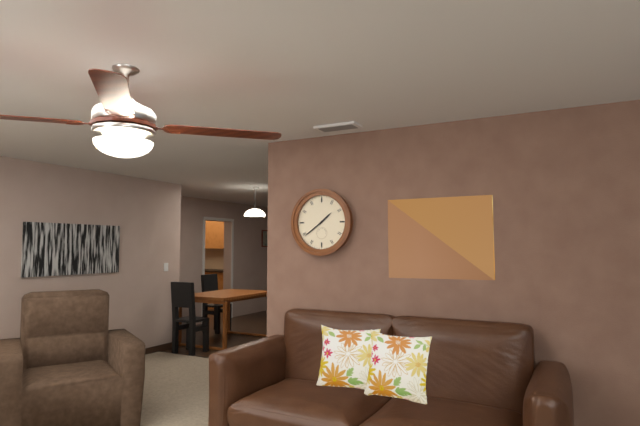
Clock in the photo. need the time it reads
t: 1:39
